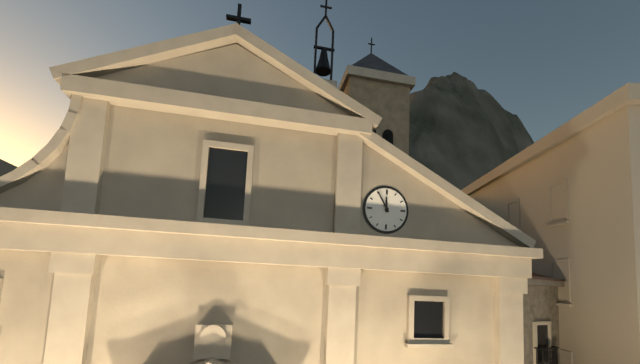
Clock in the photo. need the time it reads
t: 11:55
